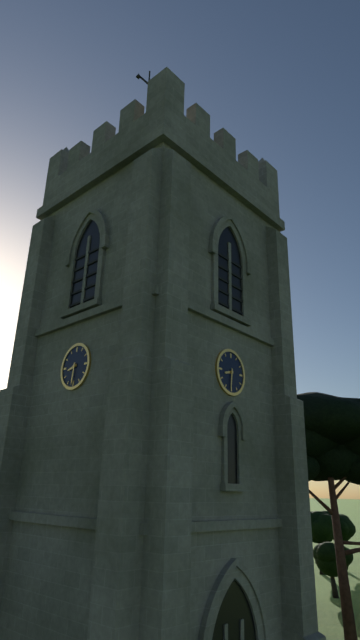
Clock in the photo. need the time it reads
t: 8:31
